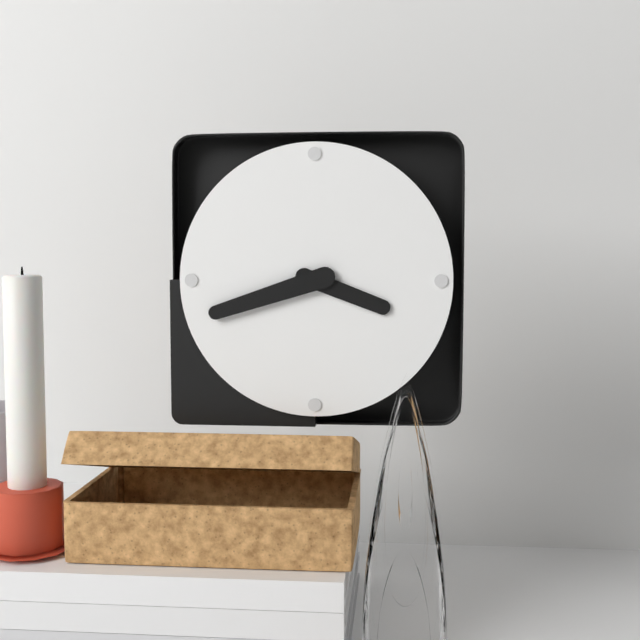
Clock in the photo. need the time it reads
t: 3:42
